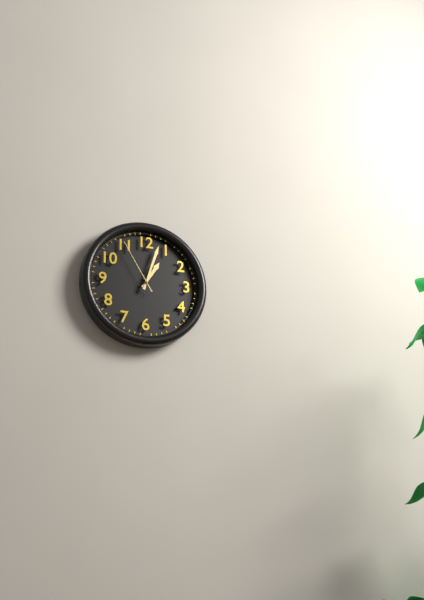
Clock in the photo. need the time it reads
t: 1:03:55
